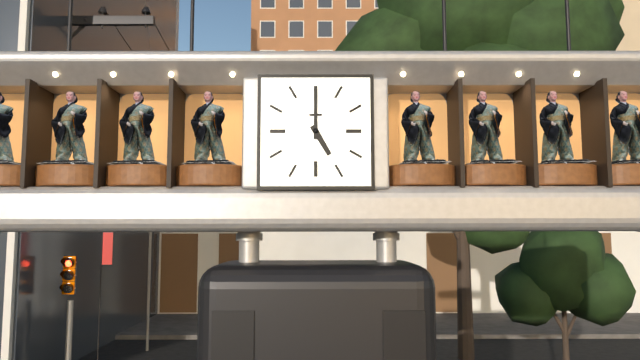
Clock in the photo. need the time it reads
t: 5:00
